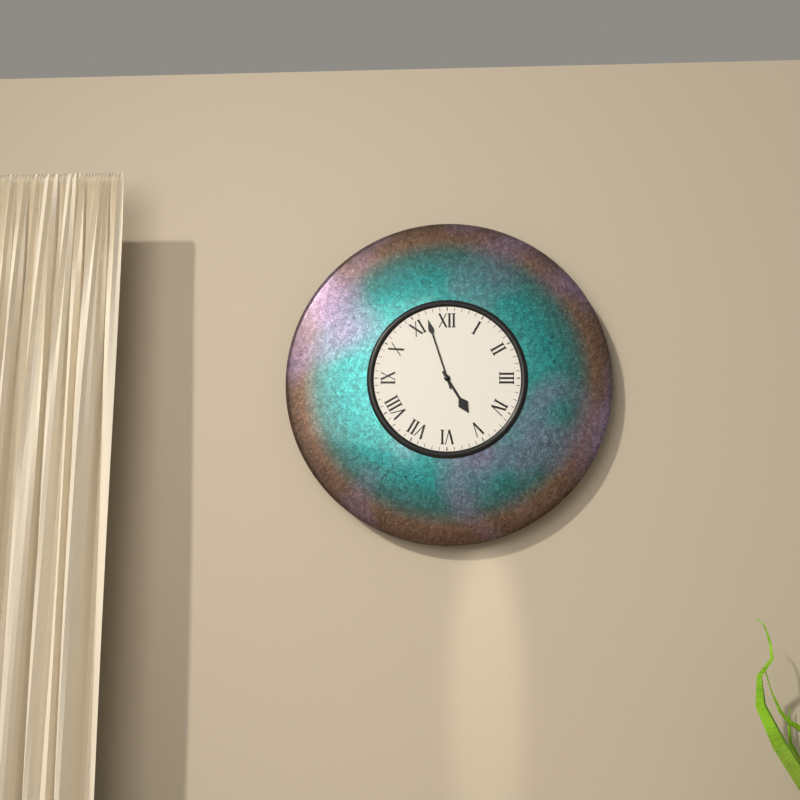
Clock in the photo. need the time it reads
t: 4:57
